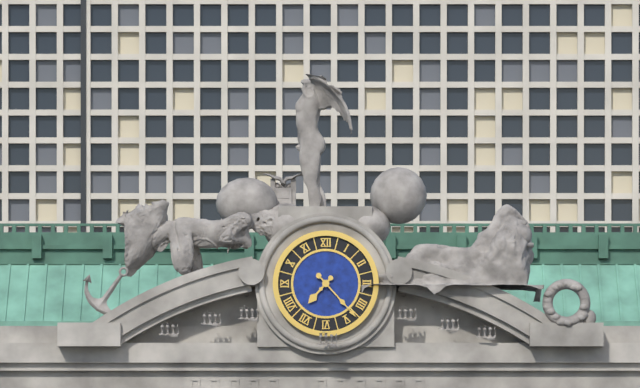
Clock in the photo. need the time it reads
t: 7:23
